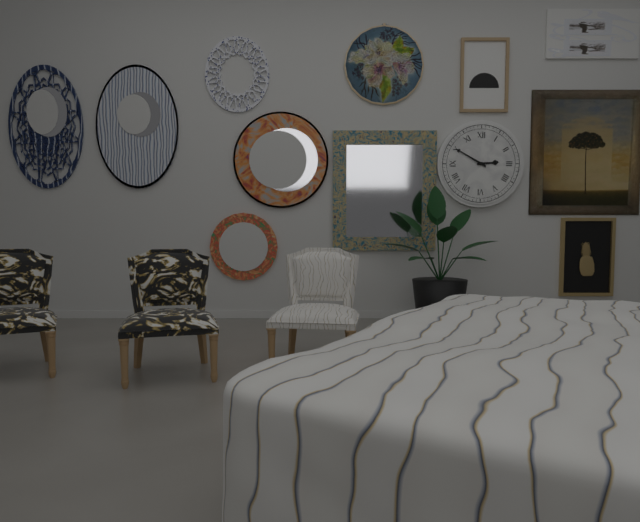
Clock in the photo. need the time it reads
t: 2:50
